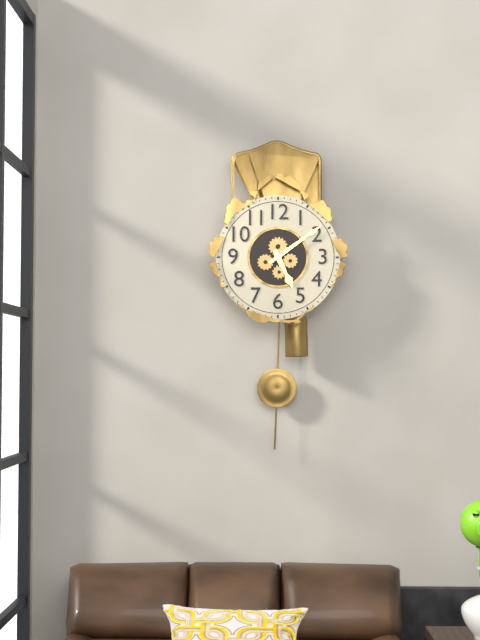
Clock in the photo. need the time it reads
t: 5:09
